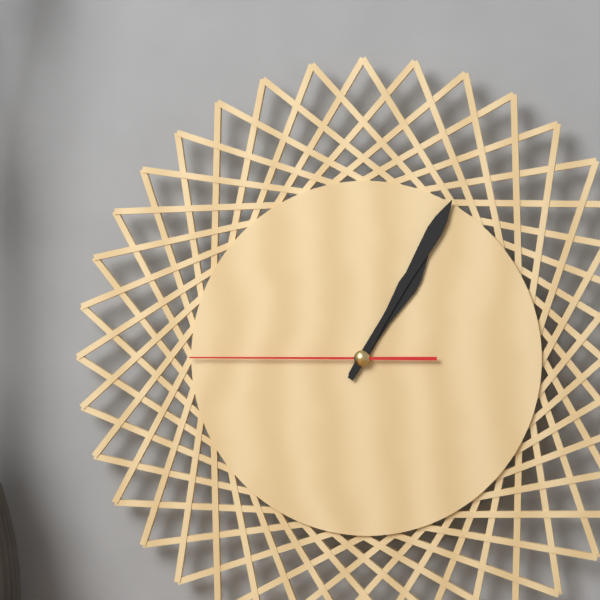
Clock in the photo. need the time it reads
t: 1:05:45
